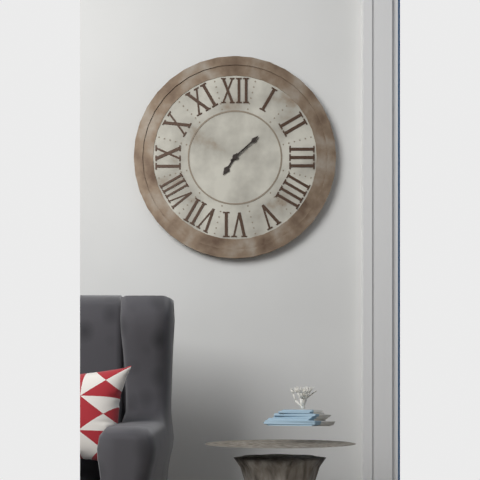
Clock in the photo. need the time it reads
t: 7:08
